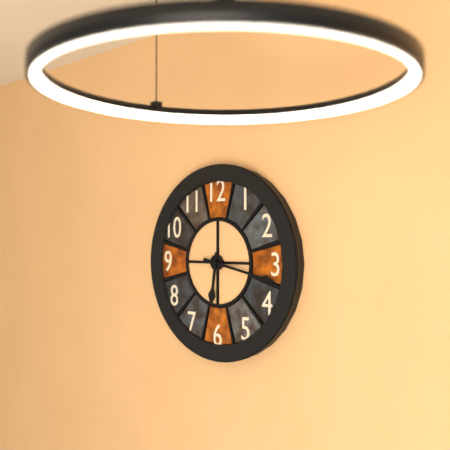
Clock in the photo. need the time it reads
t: 6:17
